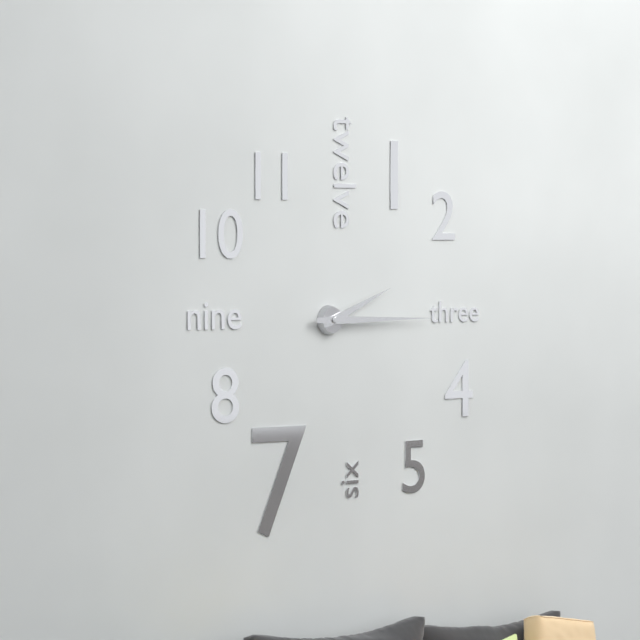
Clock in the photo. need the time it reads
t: 2:15
